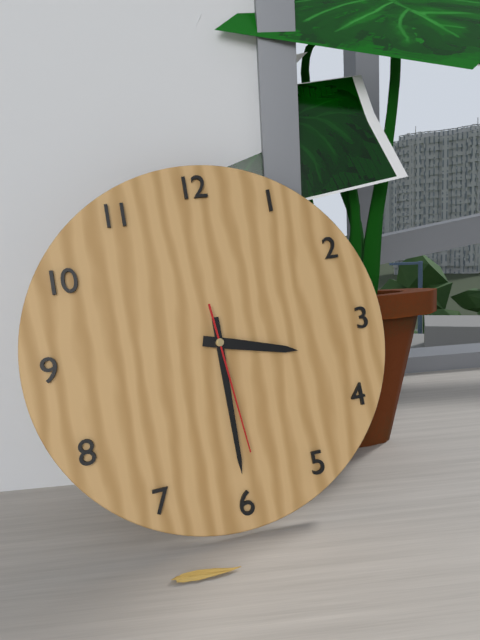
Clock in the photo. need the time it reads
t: 3:30:29
